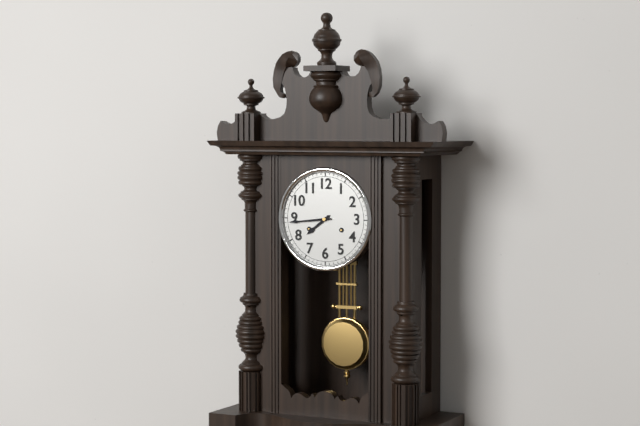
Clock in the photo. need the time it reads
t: 7:44
